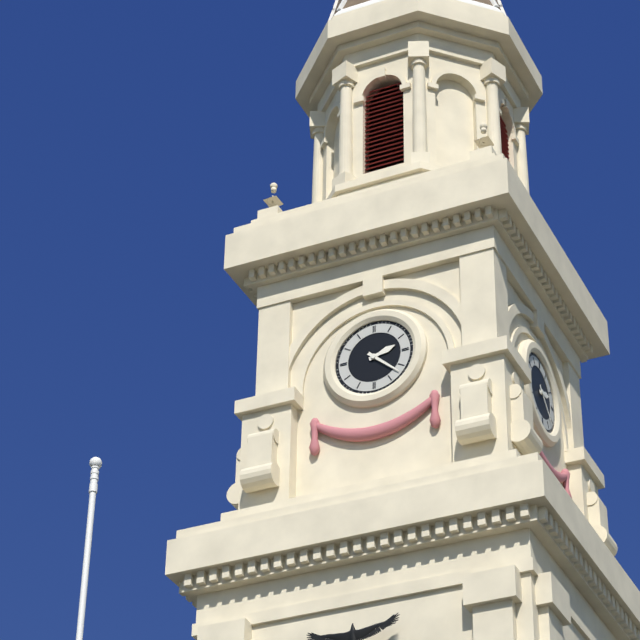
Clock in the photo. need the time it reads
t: 2:22
